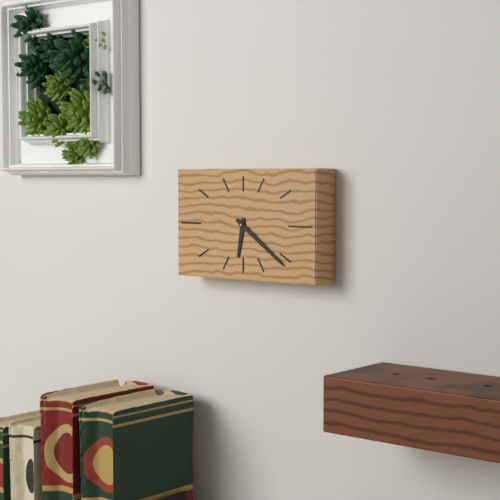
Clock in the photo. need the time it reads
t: 6:21
